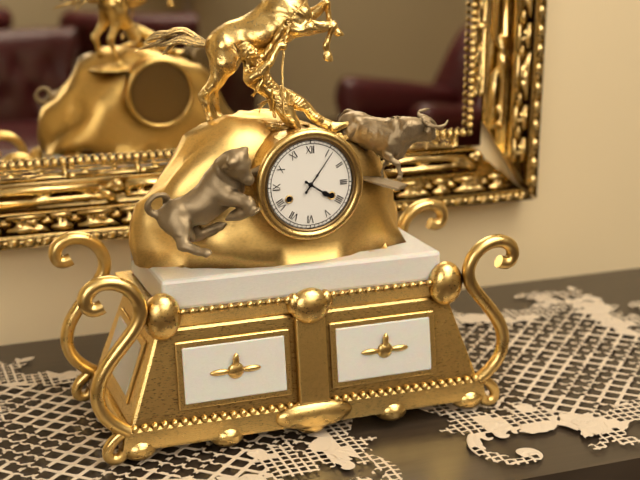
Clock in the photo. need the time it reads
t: 4:06
